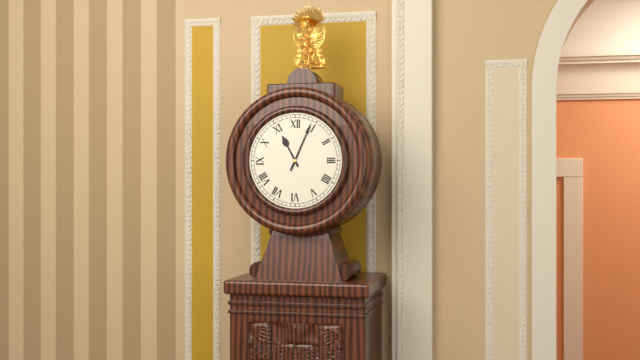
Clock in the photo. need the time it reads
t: 11:04
